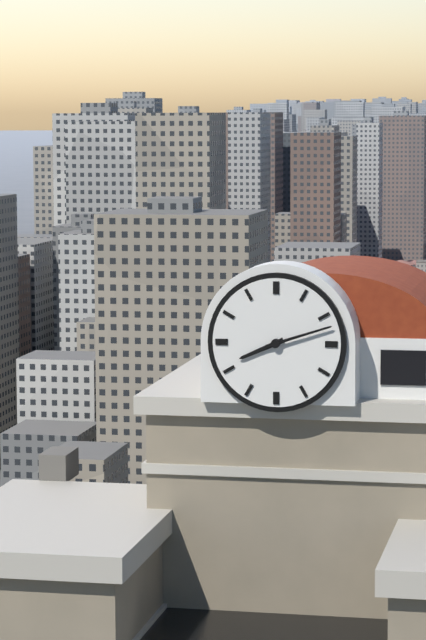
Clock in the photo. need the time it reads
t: 8:12
